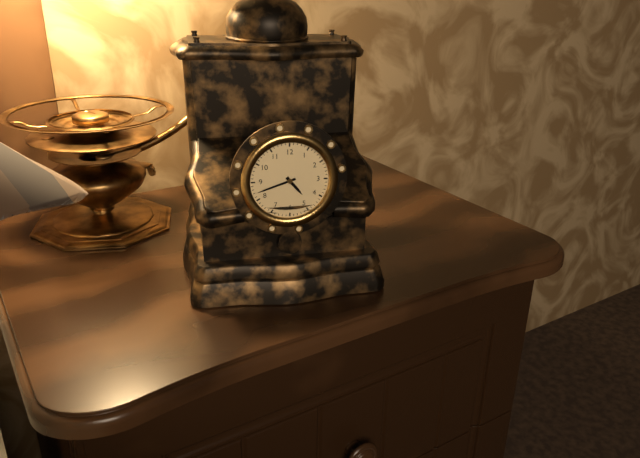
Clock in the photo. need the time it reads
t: 4:42
